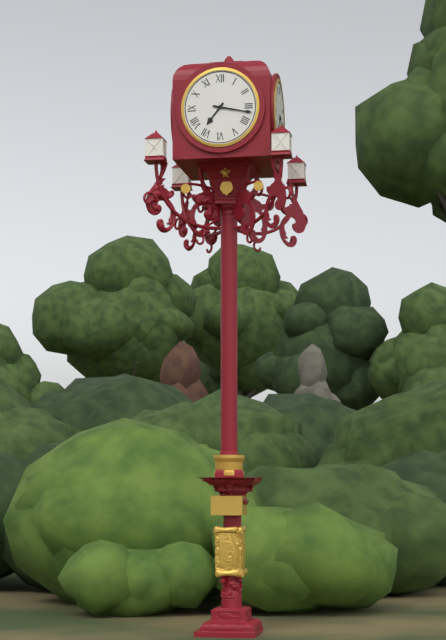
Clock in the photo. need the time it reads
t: 7:17
